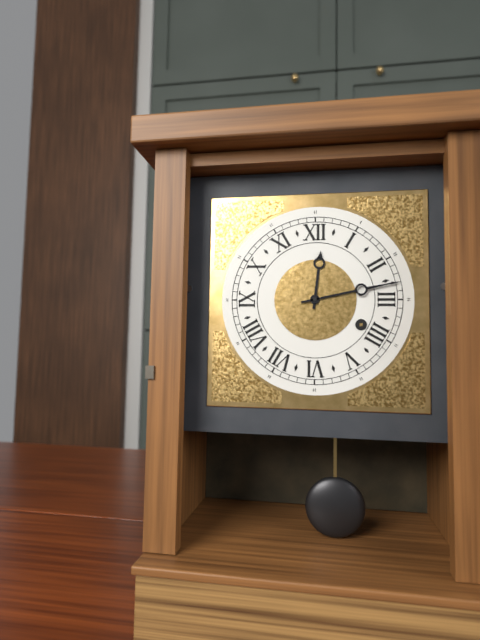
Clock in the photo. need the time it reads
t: 12:13
